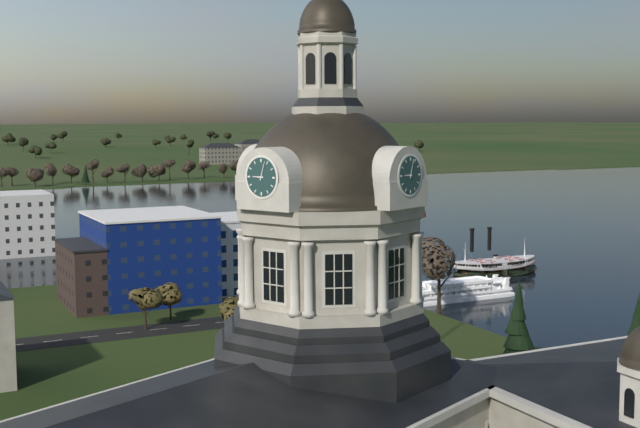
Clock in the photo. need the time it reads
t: 9:03
